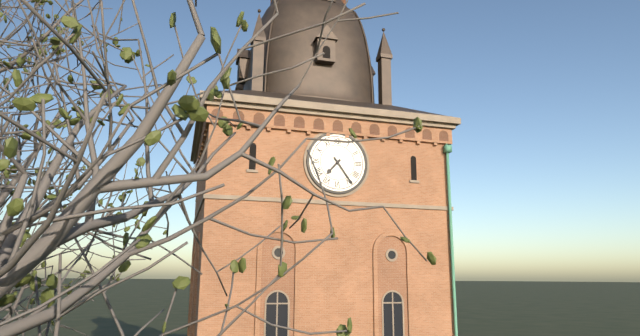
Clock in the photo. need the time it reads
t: 7:24
